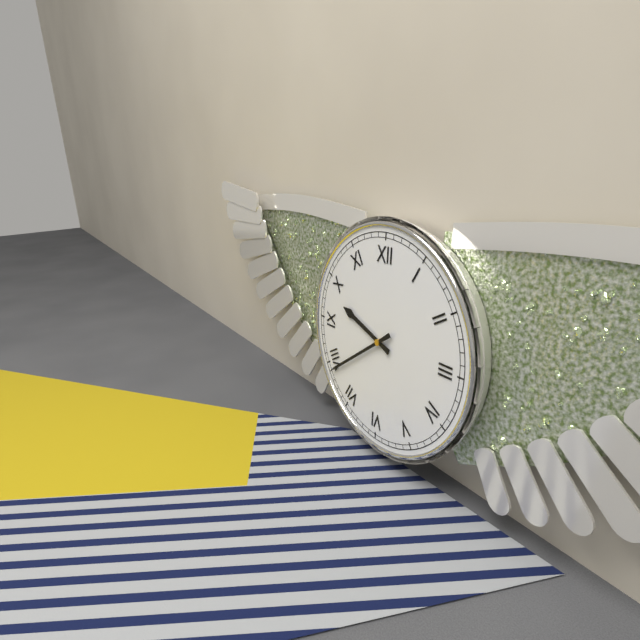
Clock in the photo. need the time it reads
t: 9:39
